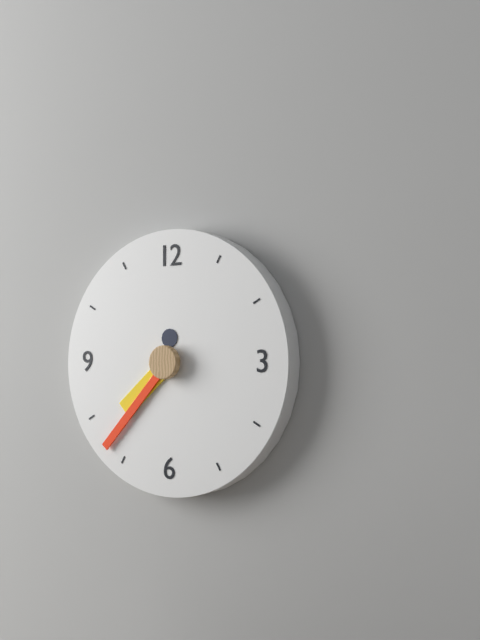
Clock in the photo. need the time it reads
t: 7:37
